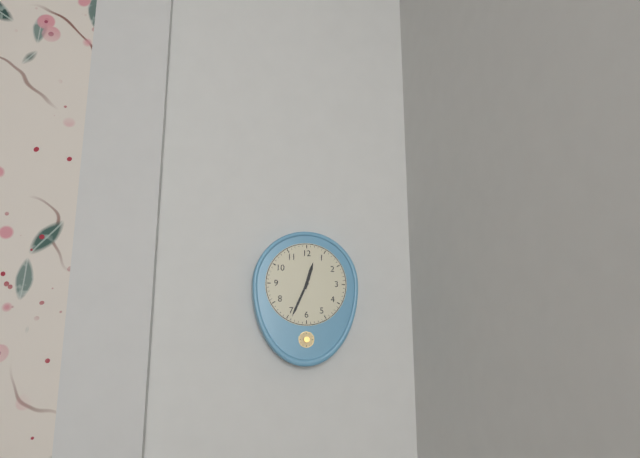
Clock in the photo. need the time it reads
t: 12:34
